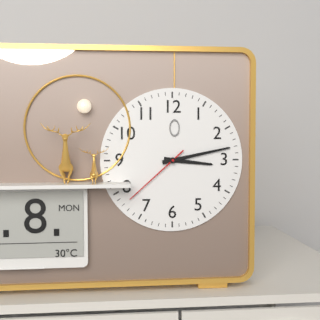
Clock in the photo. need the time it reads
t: 3:13:38
